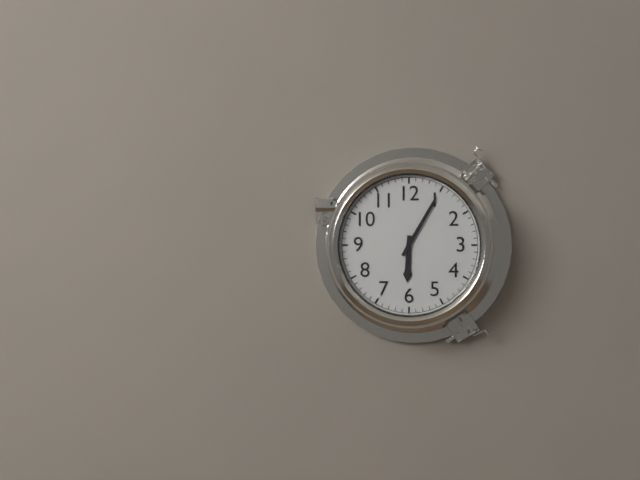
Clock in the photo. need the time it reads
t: 6:05
